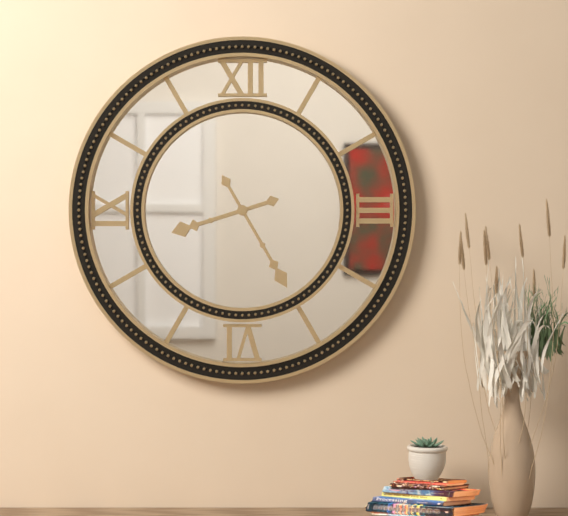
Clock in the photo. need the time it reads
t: 8:25
